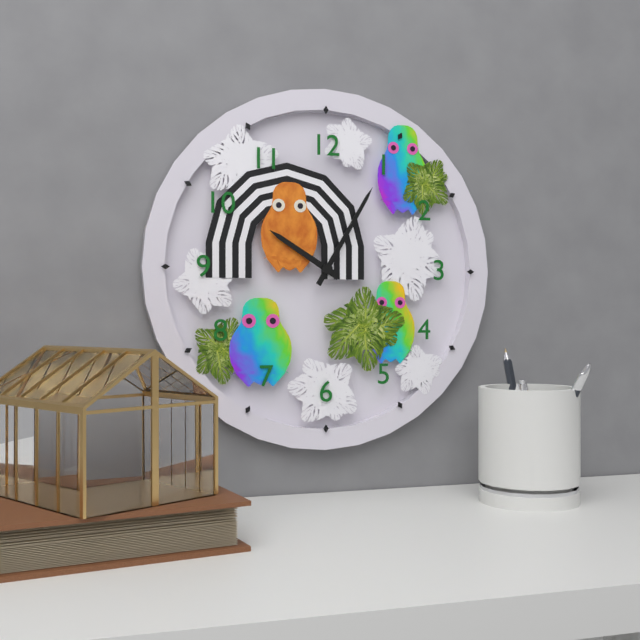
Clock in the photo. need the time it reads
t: 10:05
